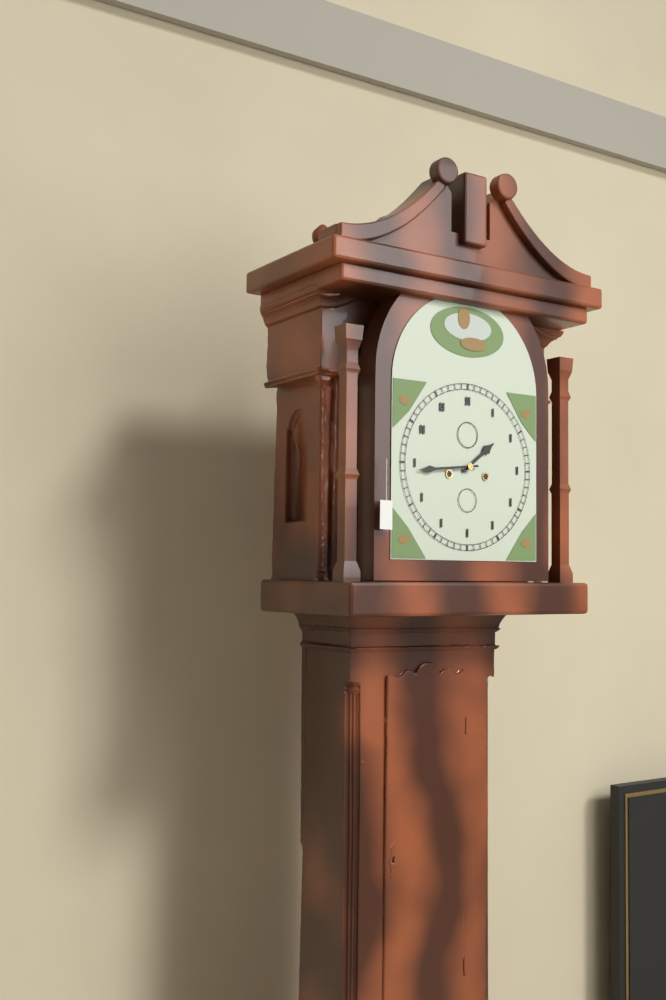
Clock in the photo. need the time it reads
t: 1:44
